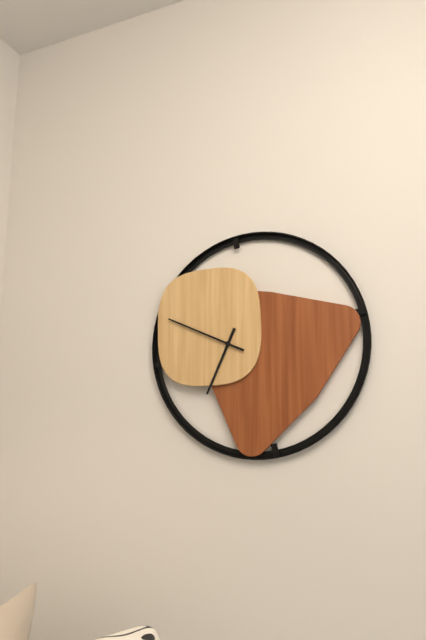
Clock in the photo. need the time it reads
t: 6:49
